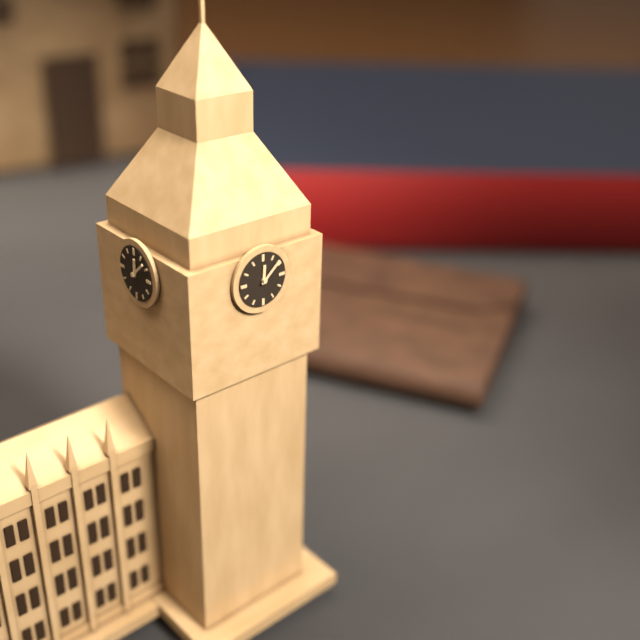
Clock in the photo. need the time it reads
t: 12:08
